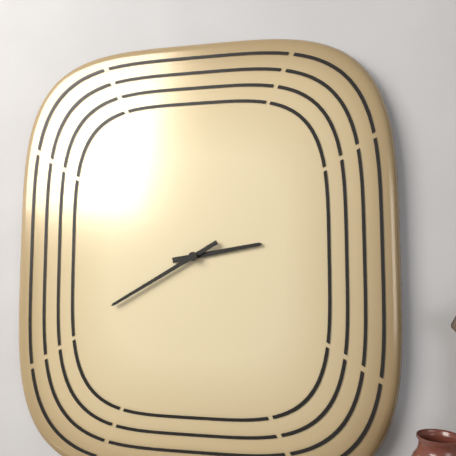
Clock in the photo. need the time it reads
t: 2:40
